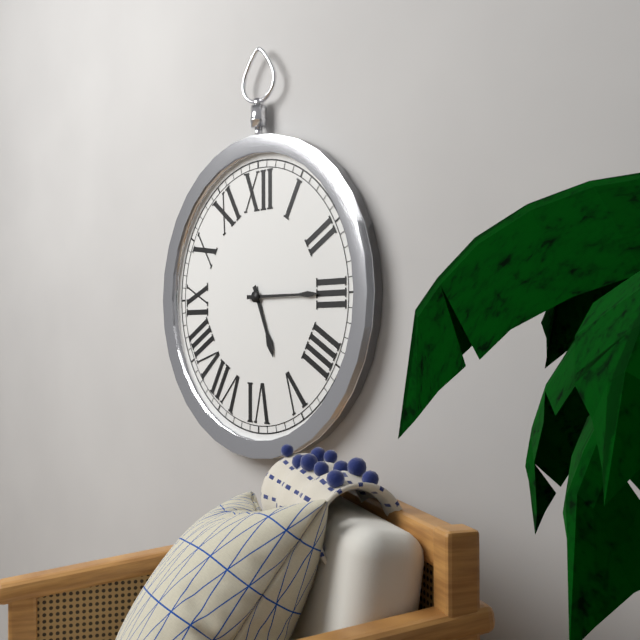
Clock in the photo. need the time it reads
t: 5:15
